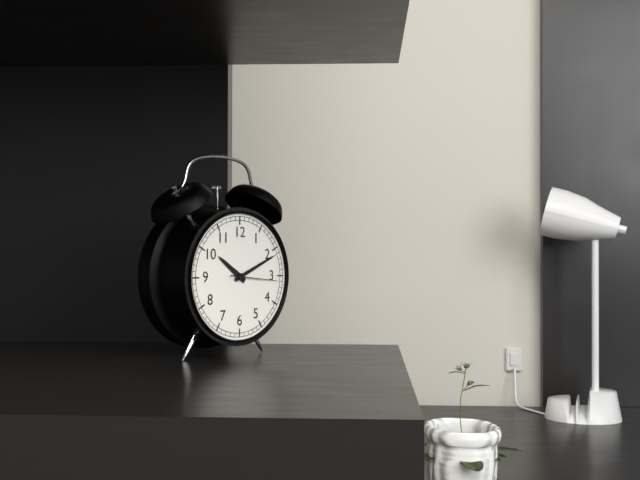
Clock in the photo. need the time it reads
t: 10:11:16
